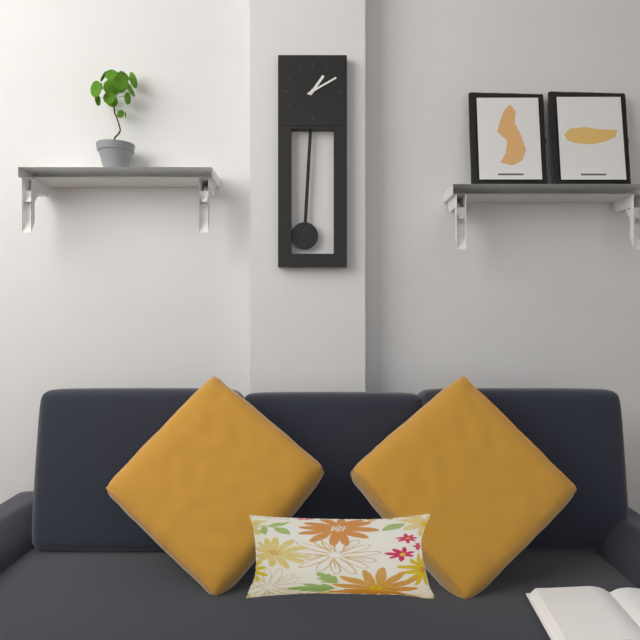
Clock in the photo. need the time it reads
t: 1:10
